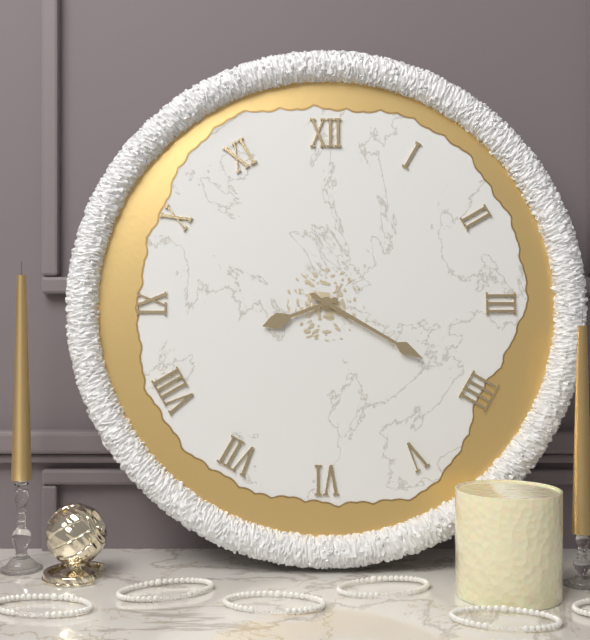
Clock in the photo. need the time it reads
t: 8:20
